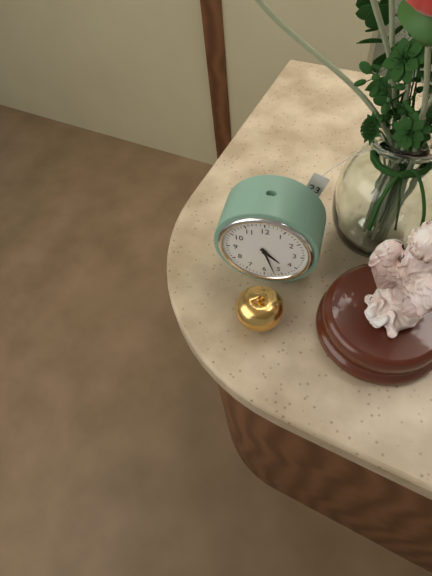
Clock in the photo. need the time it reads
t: 4:27
